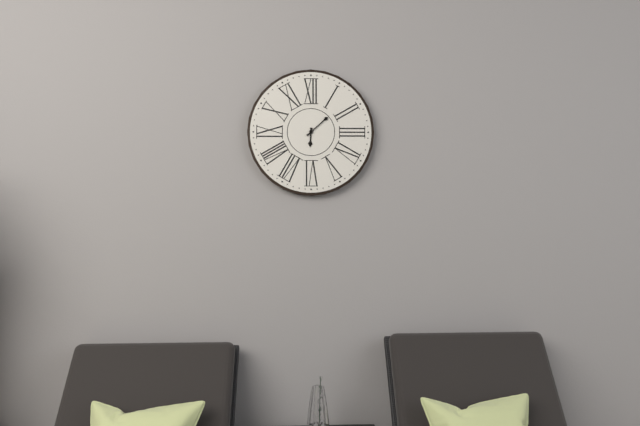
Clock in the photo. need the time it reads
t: 6:08
